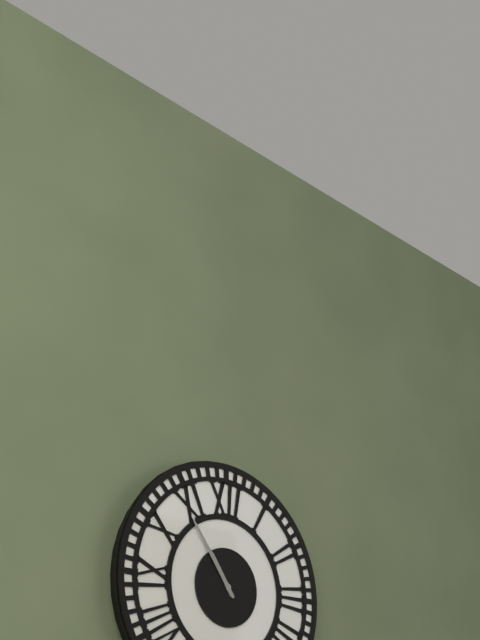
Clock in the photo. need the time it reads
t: 10:54
